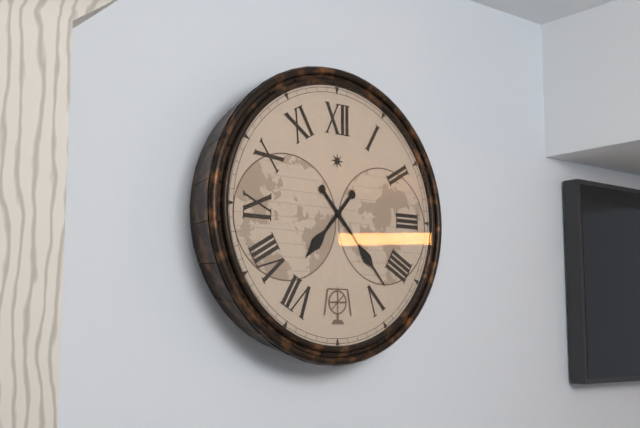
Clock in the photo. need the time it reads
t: 7:23
